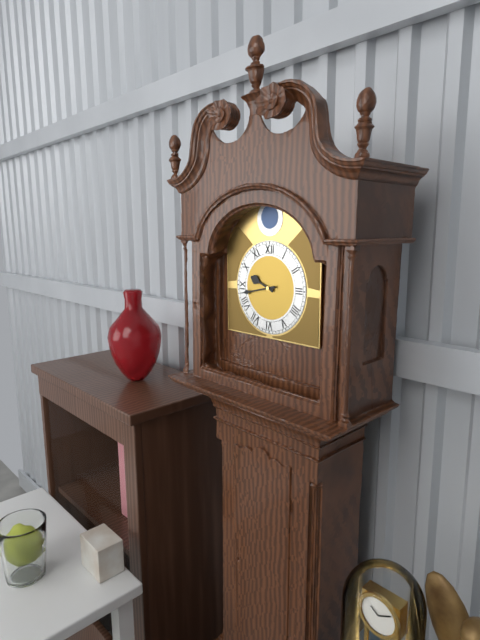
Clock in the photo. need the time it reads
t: 9:43
